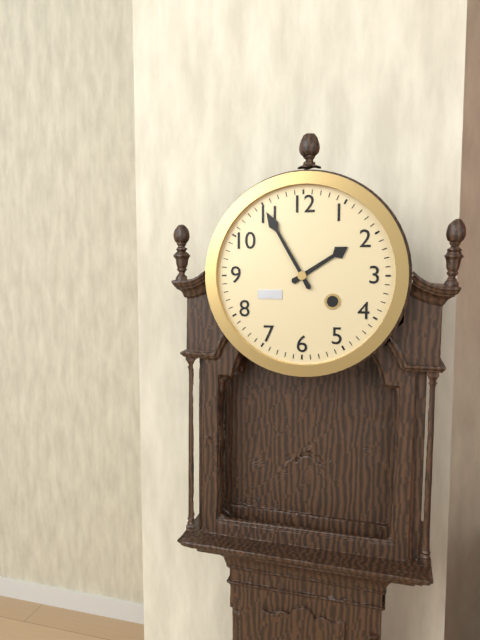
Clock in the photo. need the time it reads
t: 1:55
